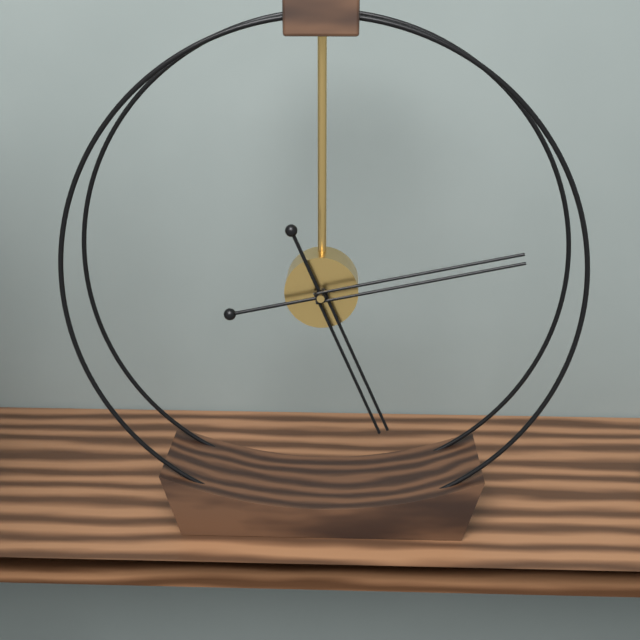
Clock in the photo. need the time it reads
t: 5:13
